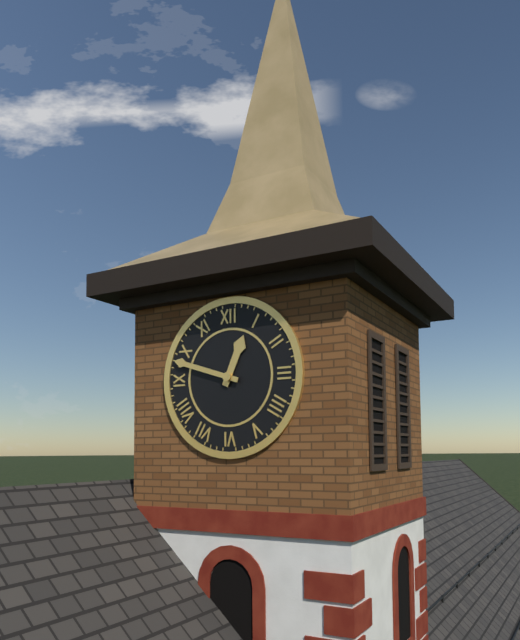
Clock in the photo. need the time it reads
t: 12:48
